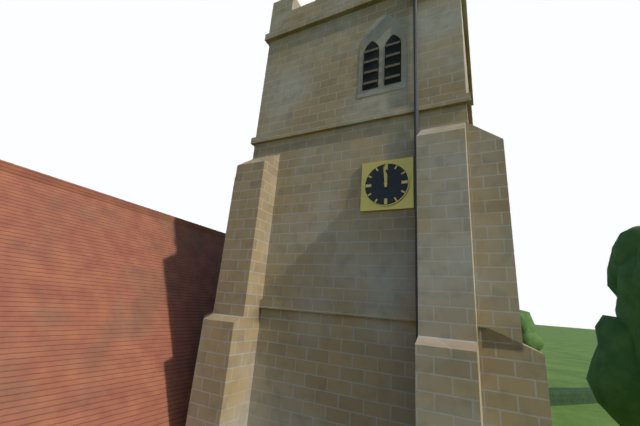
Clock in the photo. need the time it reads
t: 11:59
